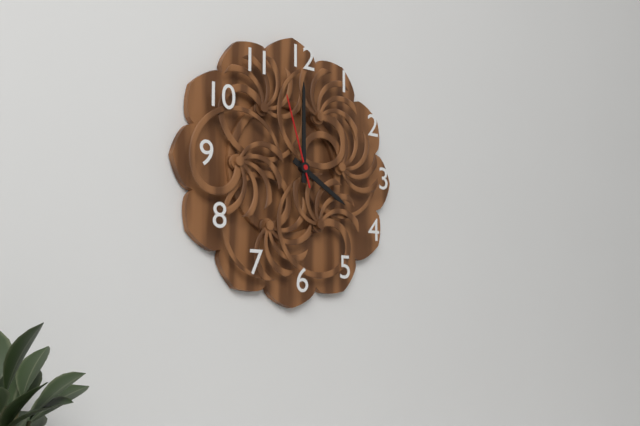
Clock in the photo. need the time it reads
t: 4:00:57
